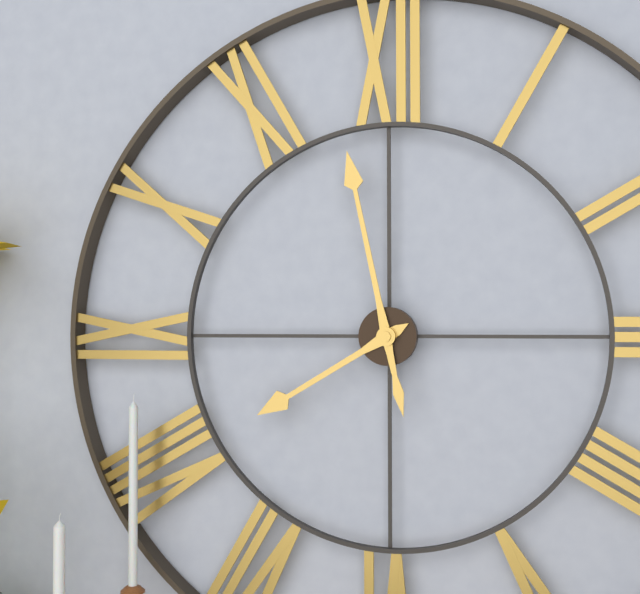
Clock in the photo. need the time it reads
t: 7:58
